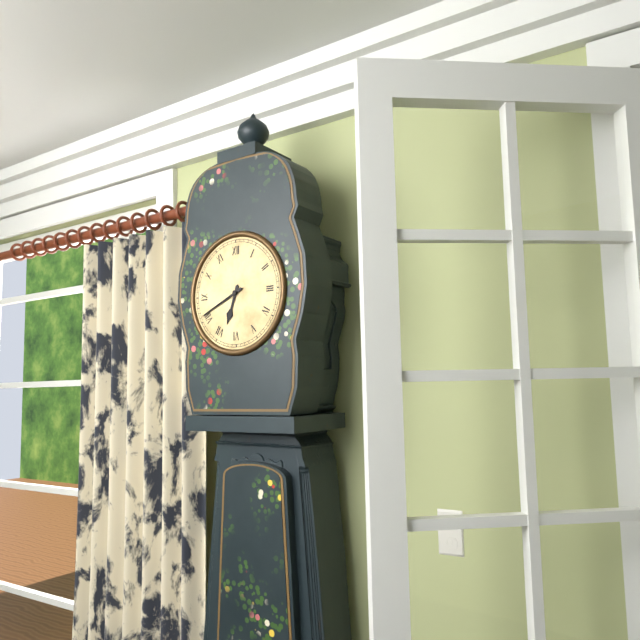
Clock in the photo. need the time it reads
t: 6:41
